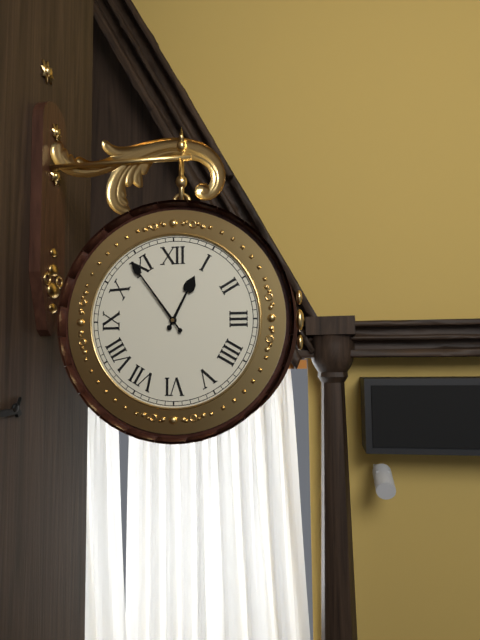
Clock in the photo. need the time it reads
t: 12:54
